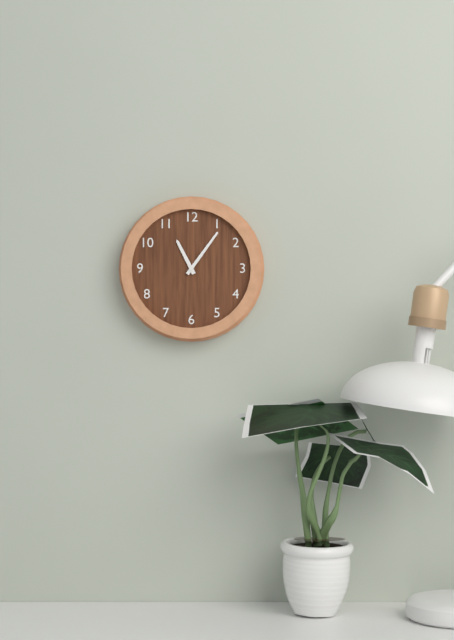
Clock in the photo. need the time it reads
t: 11:06
